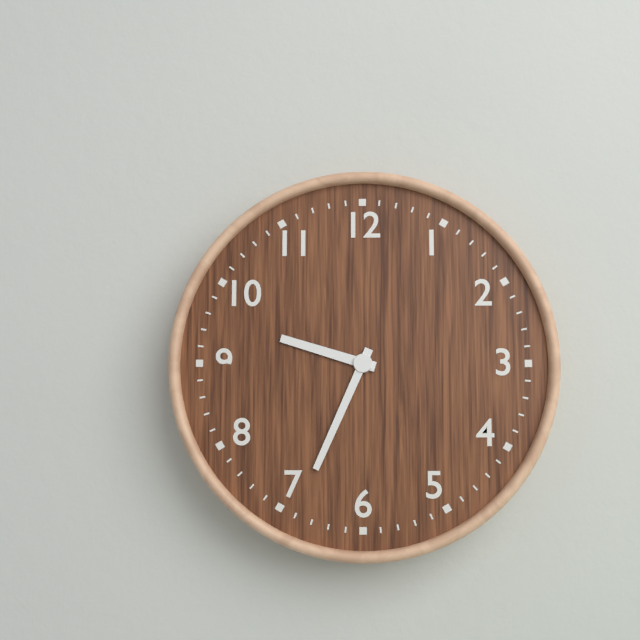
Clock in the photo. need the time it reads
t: 9:34
